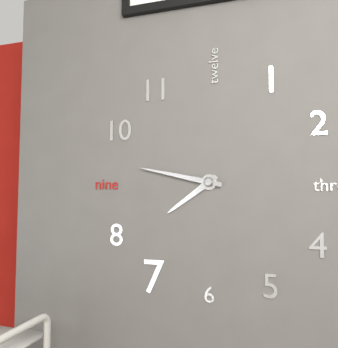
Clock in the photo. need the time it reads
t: 7:47
